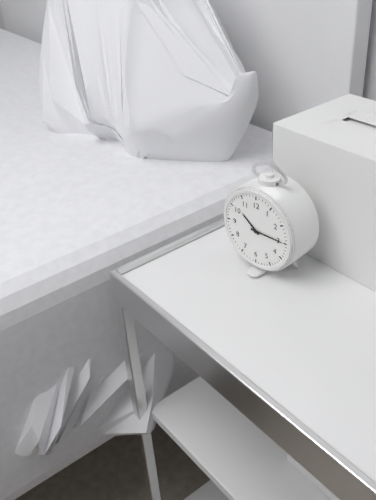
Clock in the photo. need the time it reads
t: 10:15
